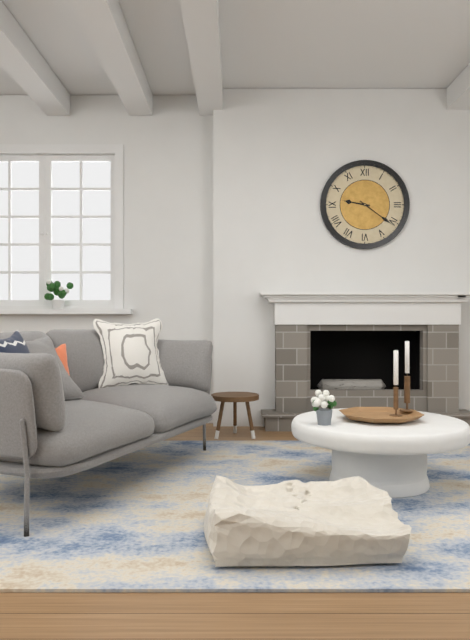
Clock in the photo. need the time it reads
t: 9:21
